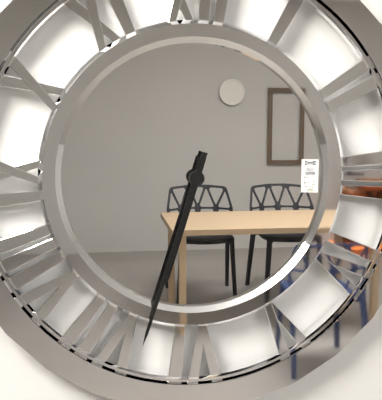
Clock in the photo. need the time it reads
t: 6:33
